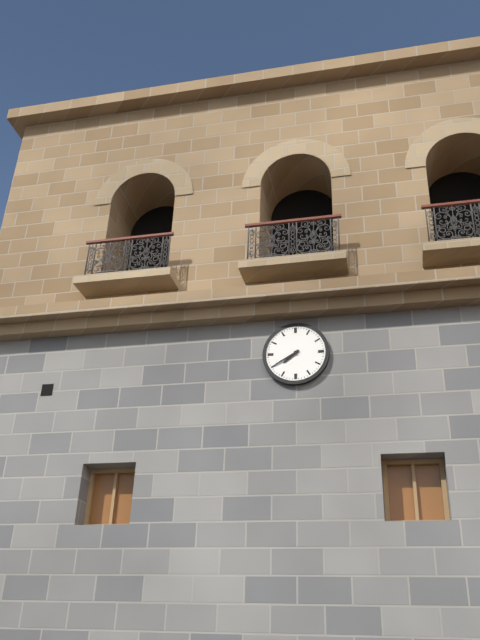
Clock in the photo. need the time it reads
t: 7:40
